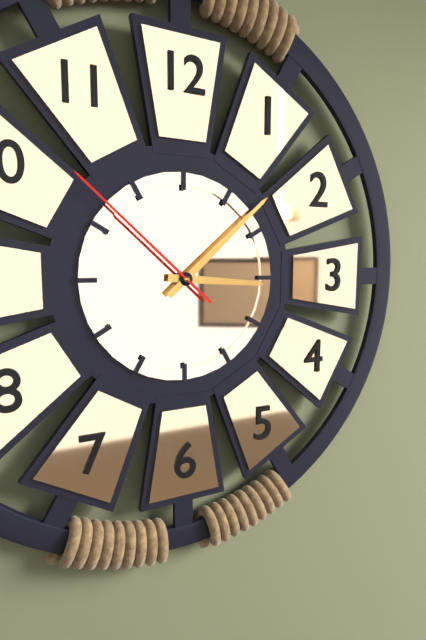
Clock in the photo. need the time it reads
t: 3:08:52
